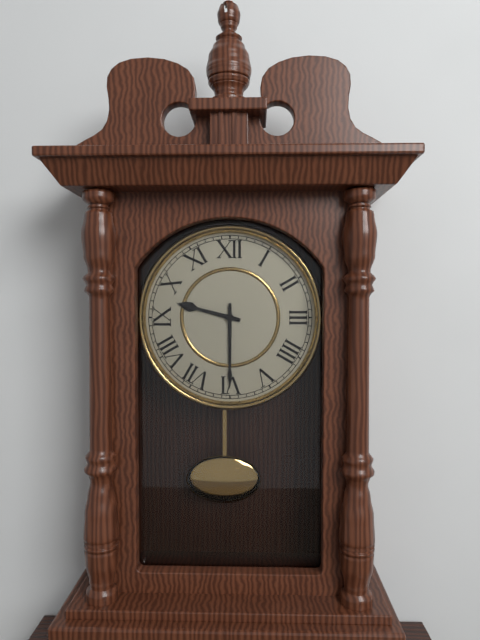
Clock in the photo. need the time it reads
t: 9:30
